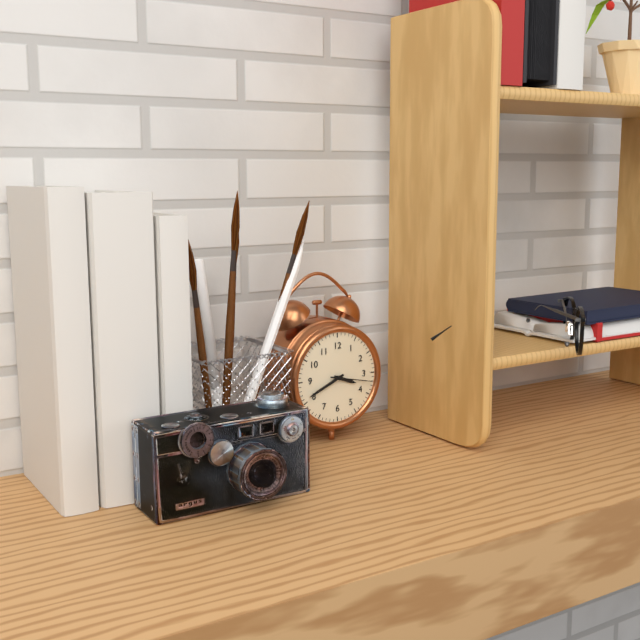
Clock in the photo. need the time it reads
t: 3:41
